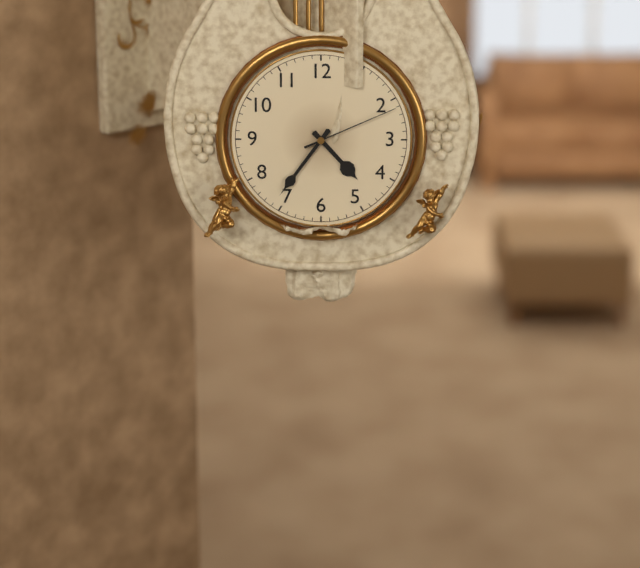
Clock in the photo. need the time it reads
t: 4:36:11
